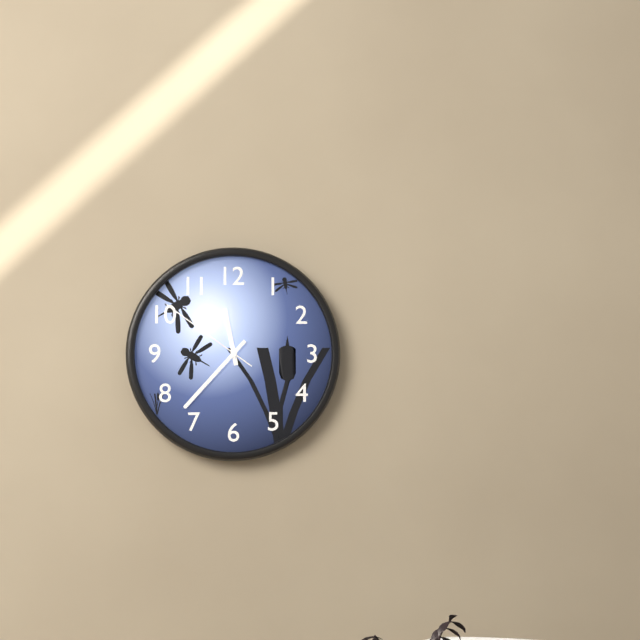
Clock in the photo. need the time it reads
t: 11:37:51
